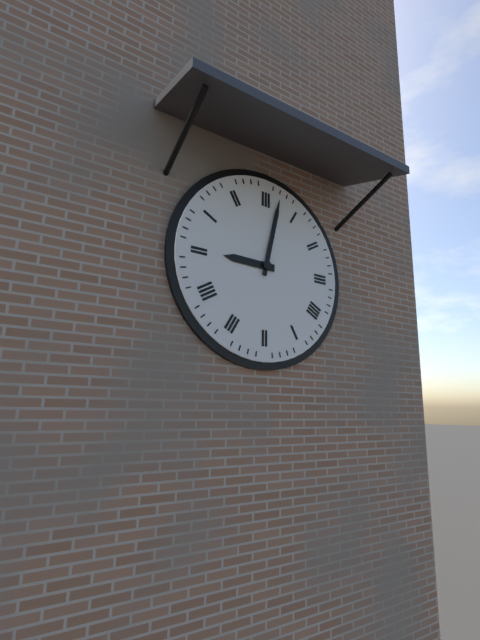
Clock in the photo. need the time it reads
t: 9:02
